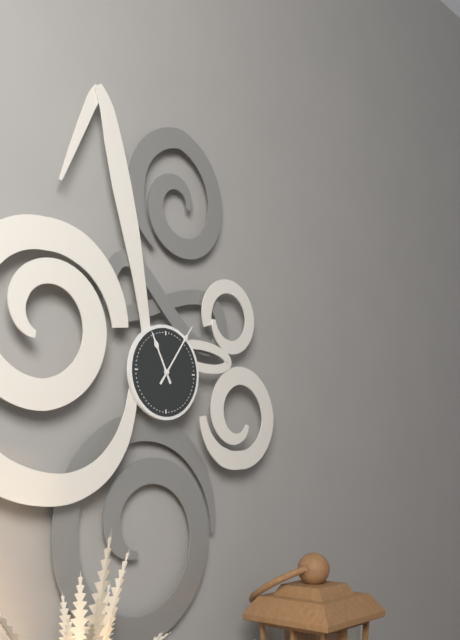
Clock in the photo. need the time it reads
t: 11:06
